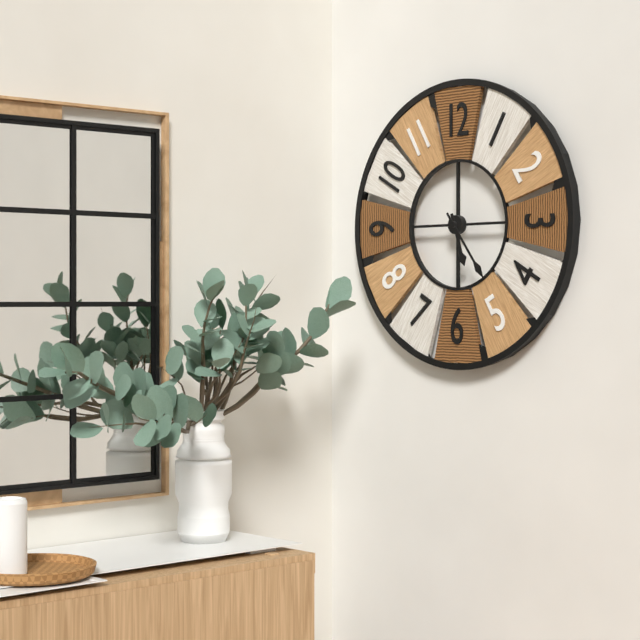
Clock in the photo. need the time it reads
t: 5:24
